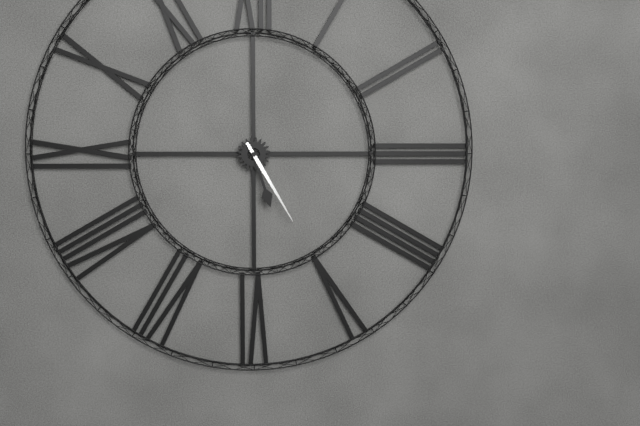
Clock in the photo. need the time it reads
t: 5:25
